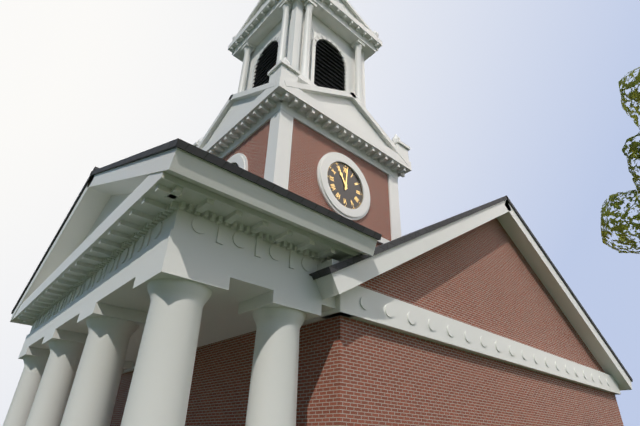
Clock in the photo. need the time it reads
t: 11:01
